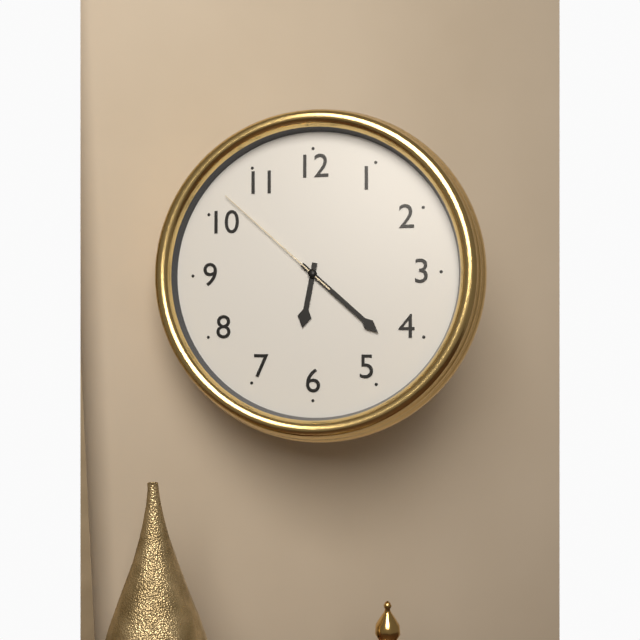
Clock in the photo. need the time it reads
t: 6:22:52
